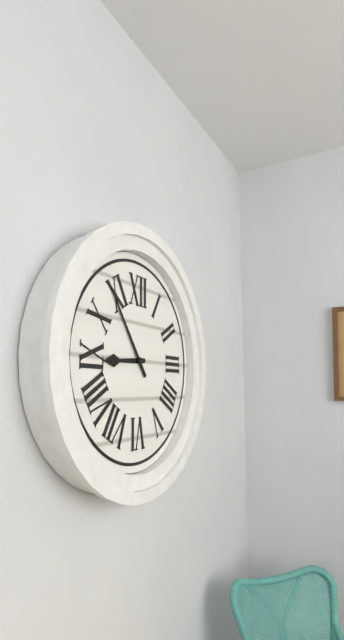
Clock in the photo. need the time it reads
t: 8:54
